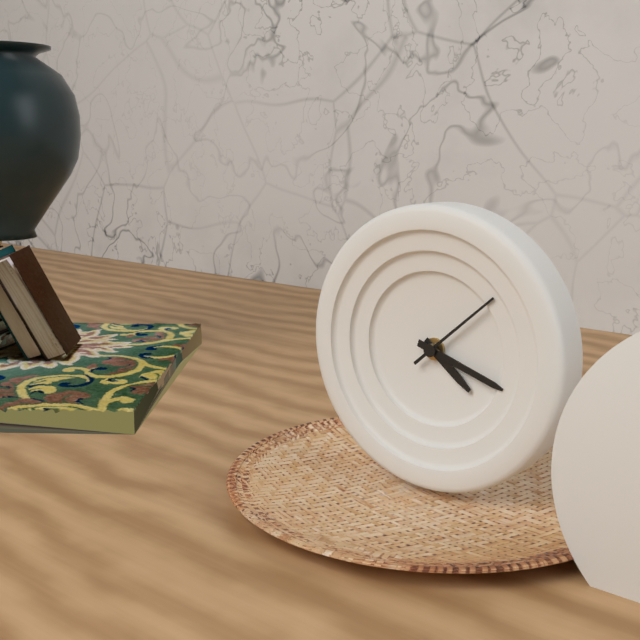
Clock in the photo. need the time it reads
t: 4:18:08
